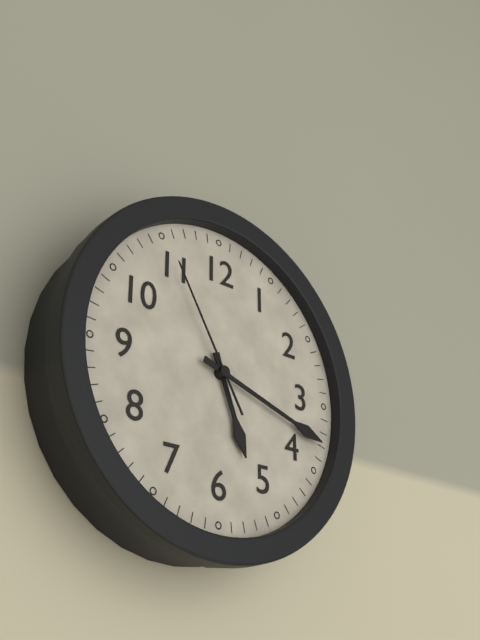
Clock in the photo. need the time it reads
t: 5:18:55
